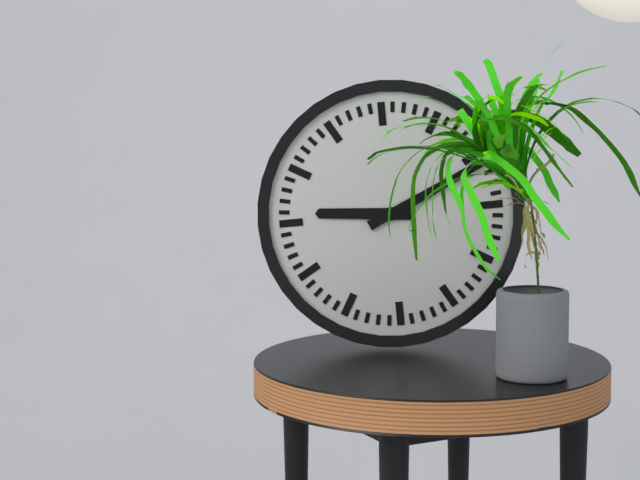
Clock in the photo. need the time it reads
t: 9:11
